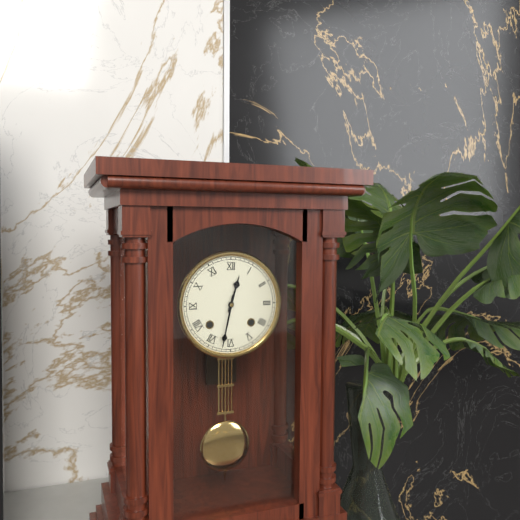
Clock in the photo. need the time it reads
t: 12:32
